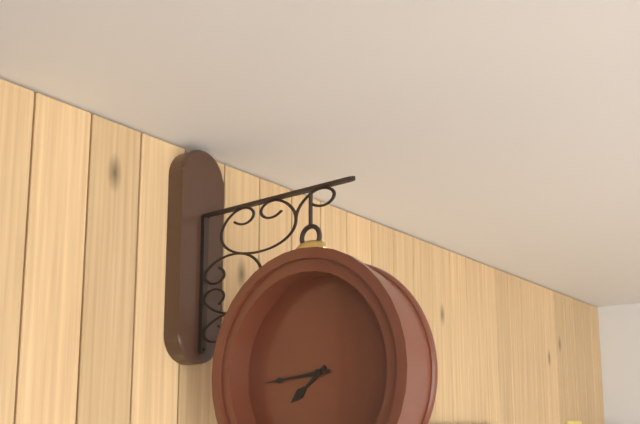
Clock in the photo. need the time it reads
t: 7:44
